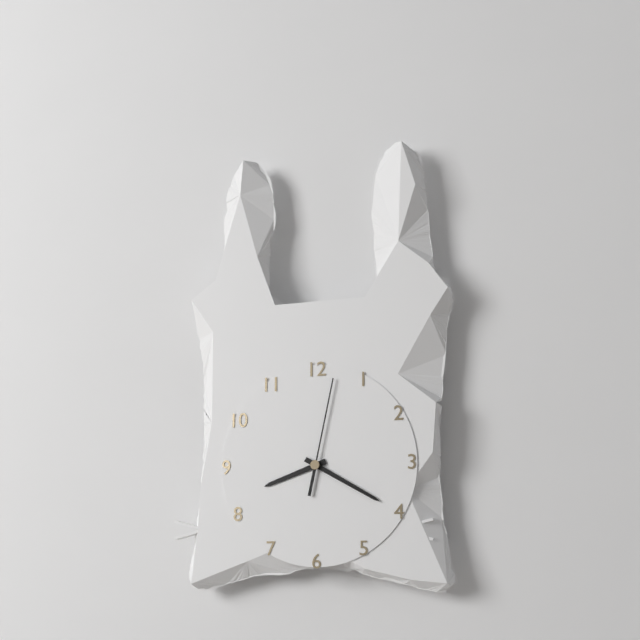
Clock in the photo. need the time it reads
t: 8:20:02
